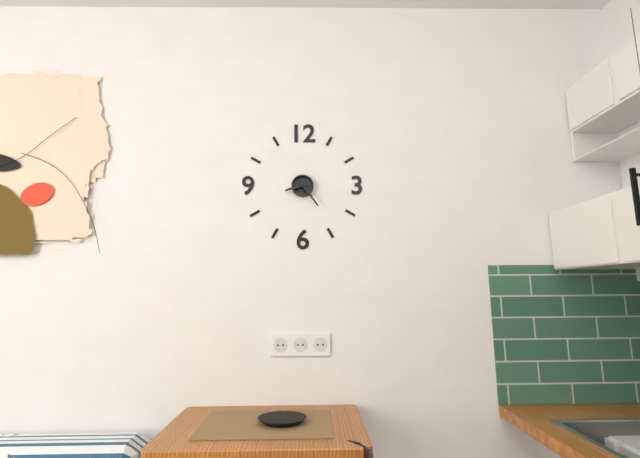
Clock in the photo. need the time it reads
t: 8:24
